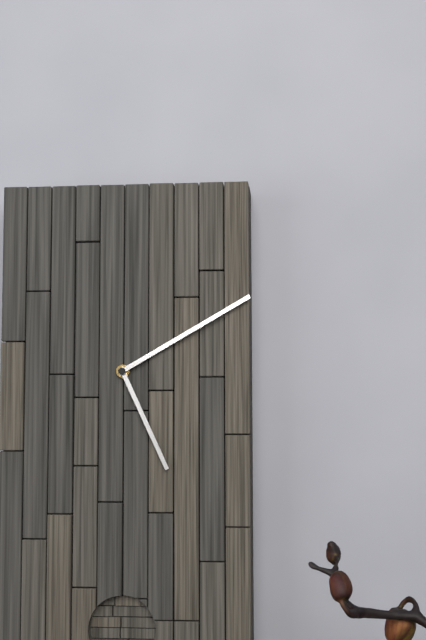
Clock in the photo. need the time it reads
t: 5:10
